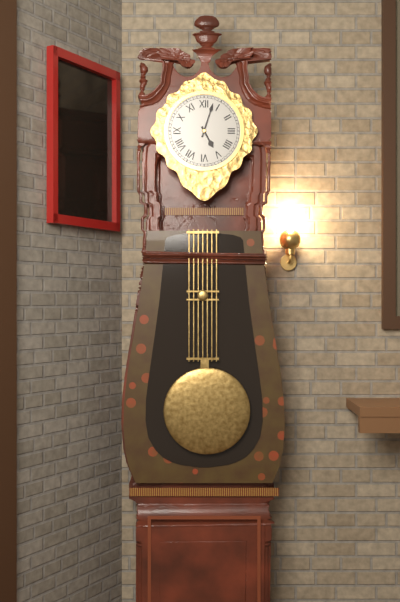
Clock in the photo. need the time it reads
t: 5:03
